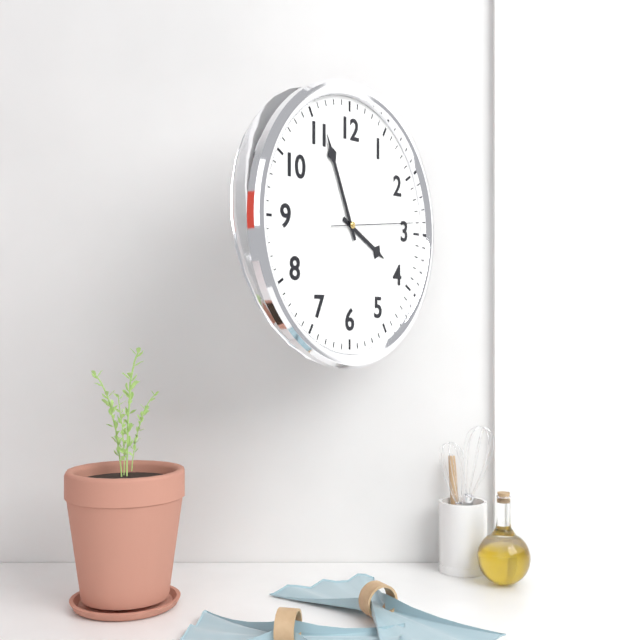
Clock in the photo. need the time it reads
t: 3:56:14
